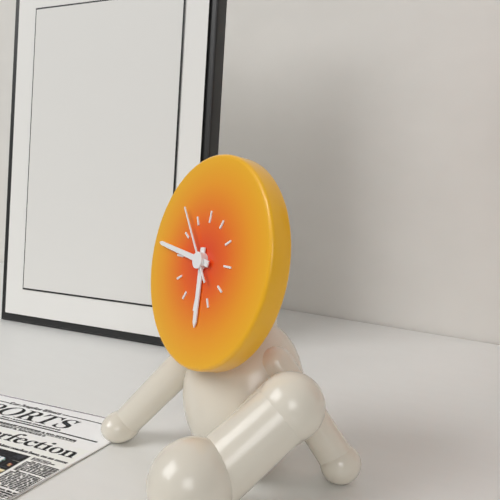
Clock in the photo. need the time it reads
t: 5:46:53
